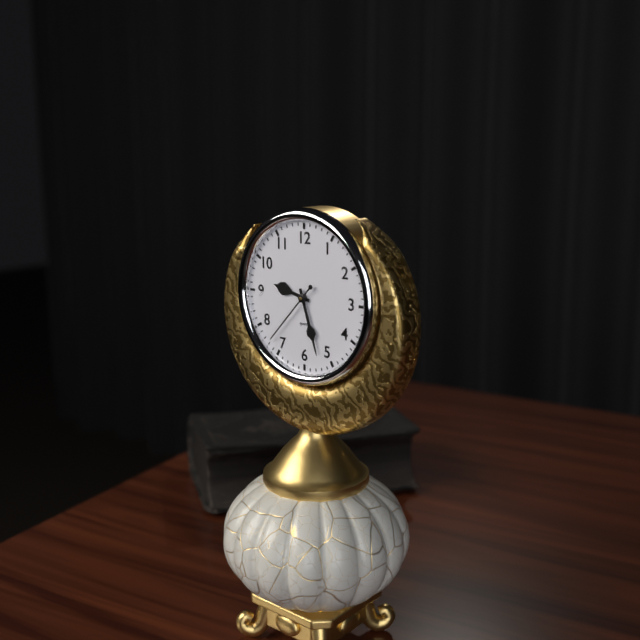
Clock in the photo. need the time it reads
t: 9:27:37
